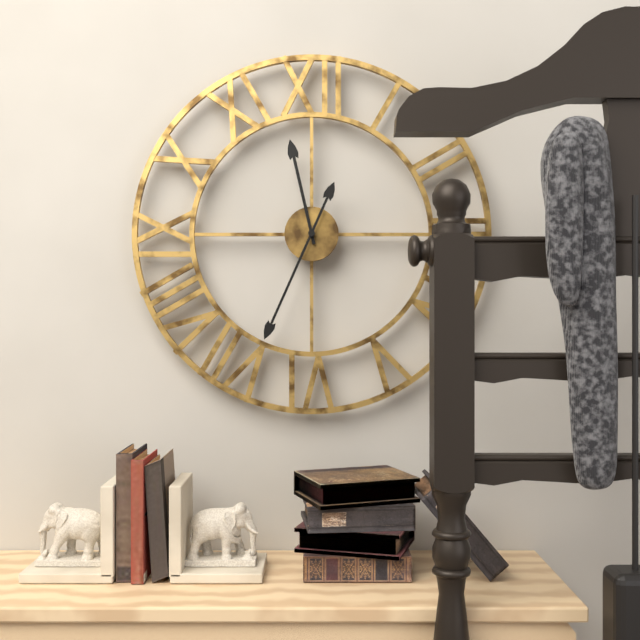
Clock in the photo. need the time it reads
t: 11:34
